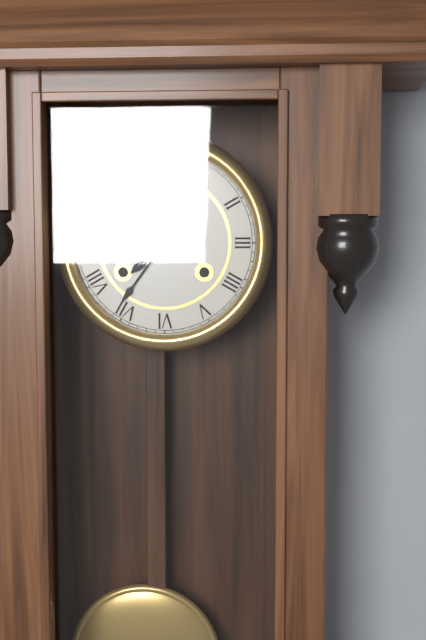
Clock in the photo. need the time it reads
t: 7:36
